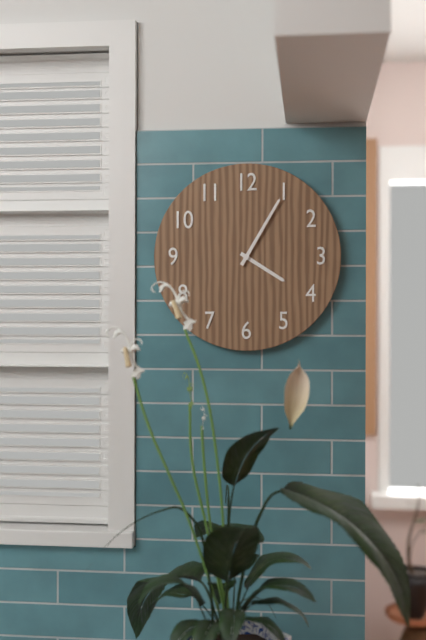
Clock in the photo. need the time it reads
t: 4:05
